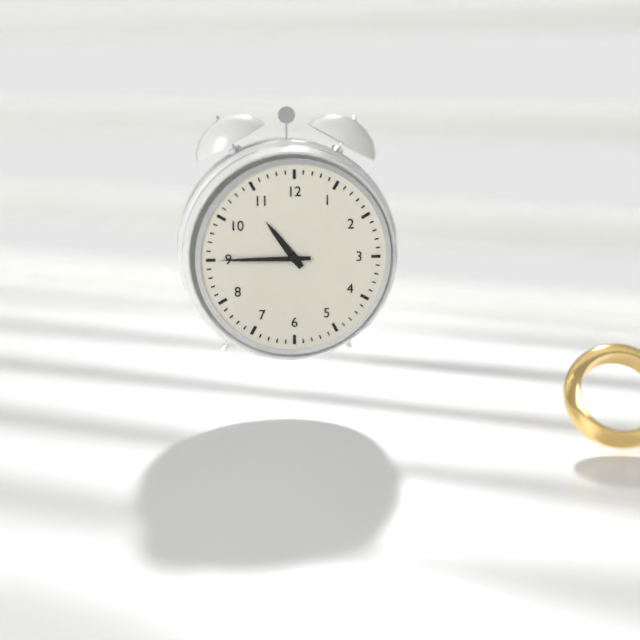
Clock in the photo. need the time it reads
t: 10:45
